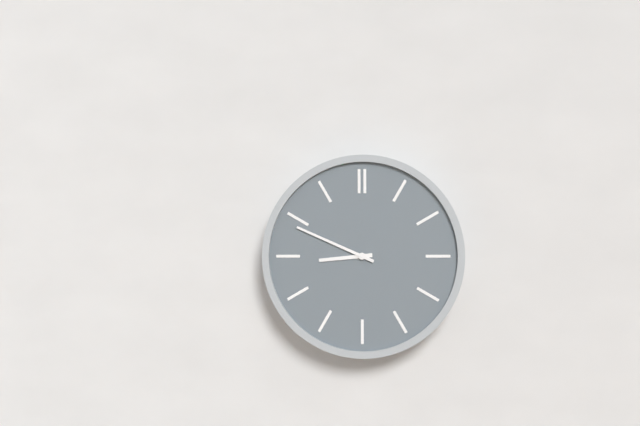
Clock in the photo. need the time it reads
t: 8:49
